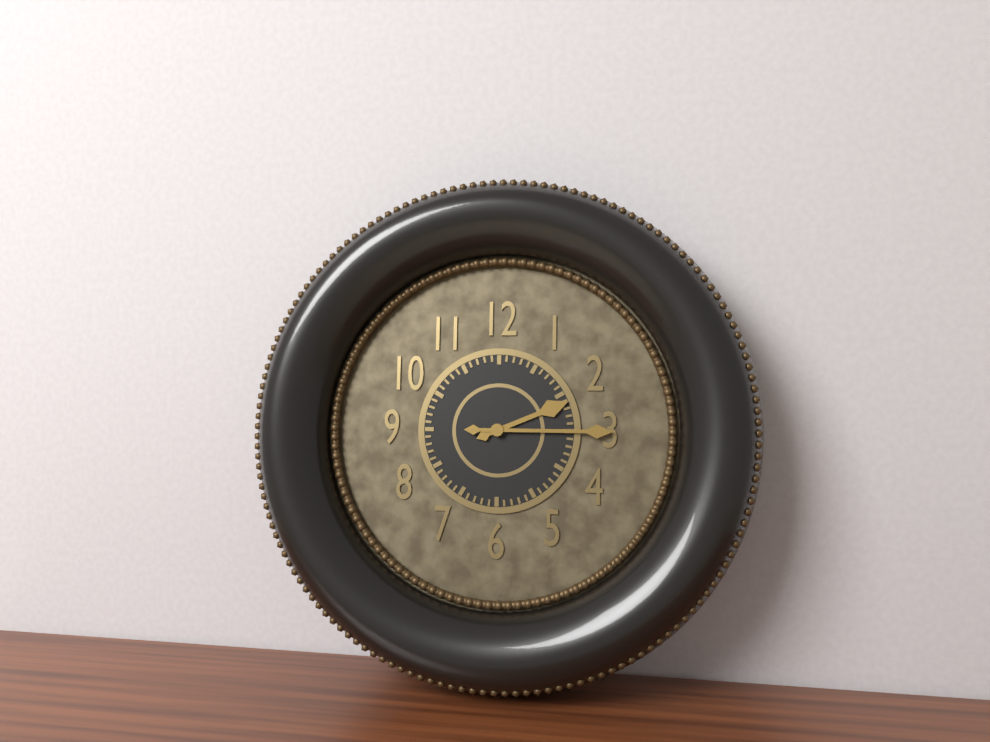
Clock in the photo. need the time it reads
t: 2:15
